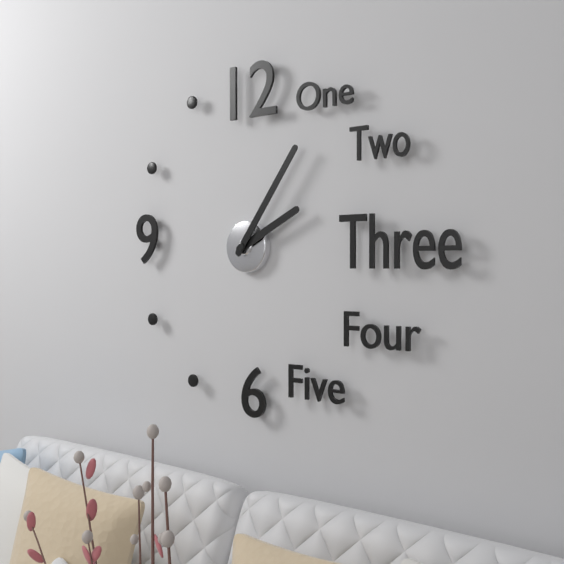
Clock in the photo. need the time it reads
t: 2:06
